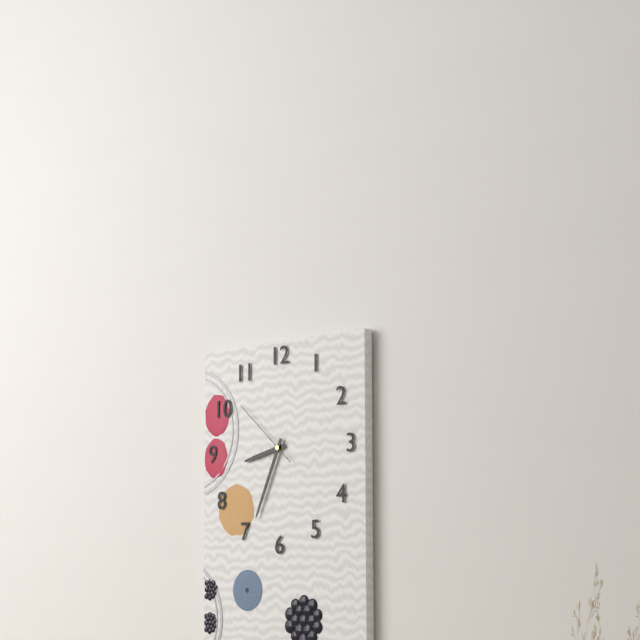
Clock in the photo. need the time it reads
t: 8:34:52
